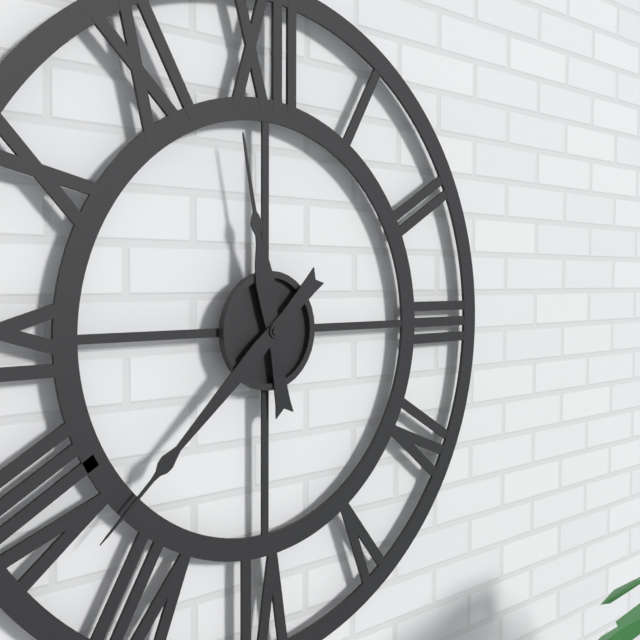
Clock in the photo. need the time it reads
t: 11:38
